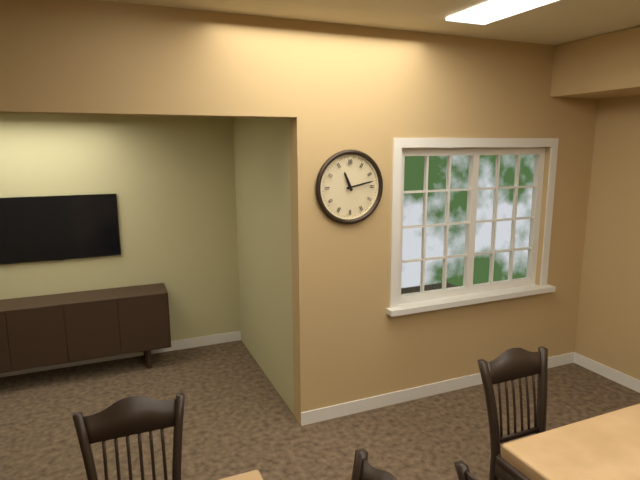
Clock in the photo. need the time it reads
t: 11:13
